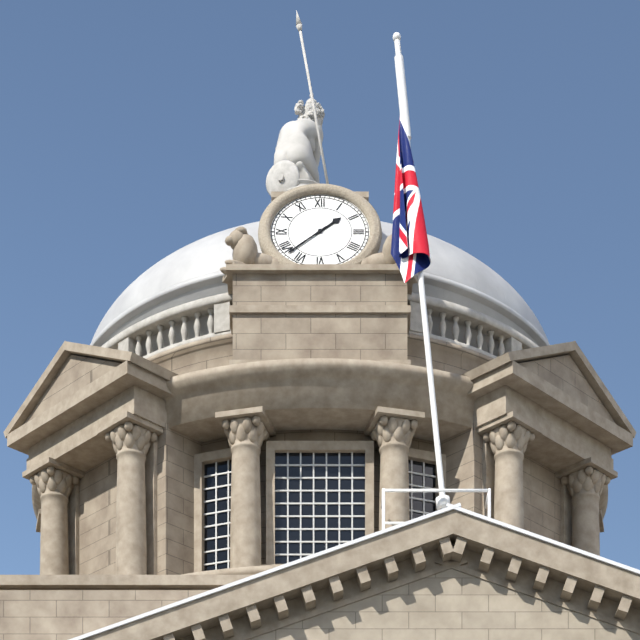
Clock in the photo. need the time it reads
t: 1:38
